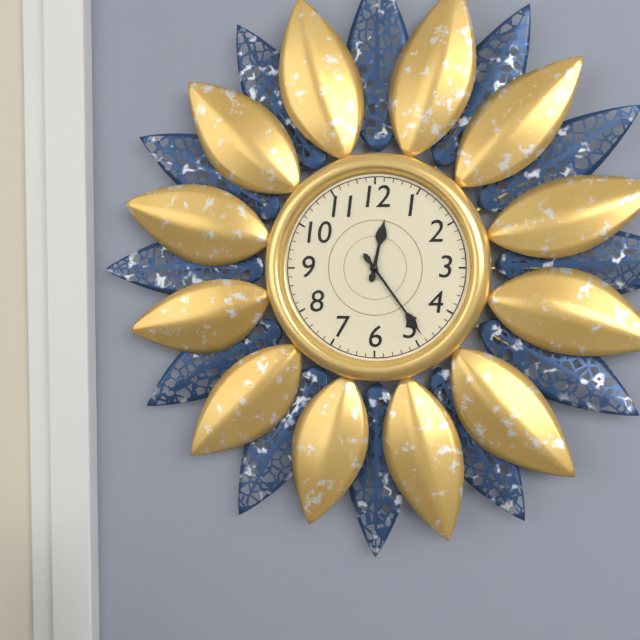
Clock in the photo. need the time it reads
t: 12:24
